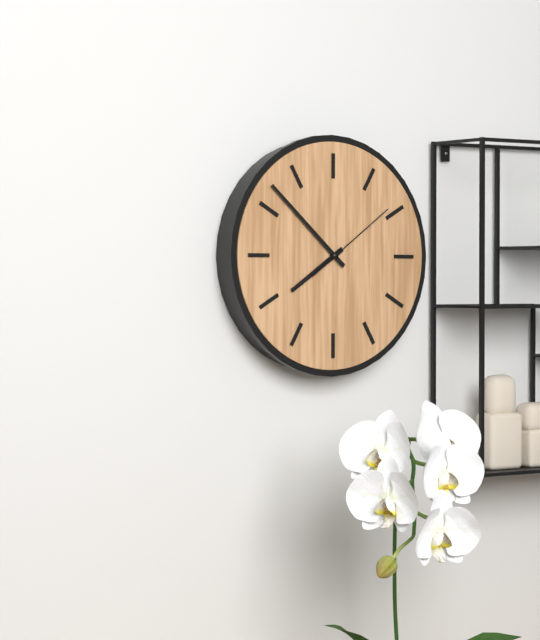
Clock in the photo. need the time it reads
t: 7:52:09
